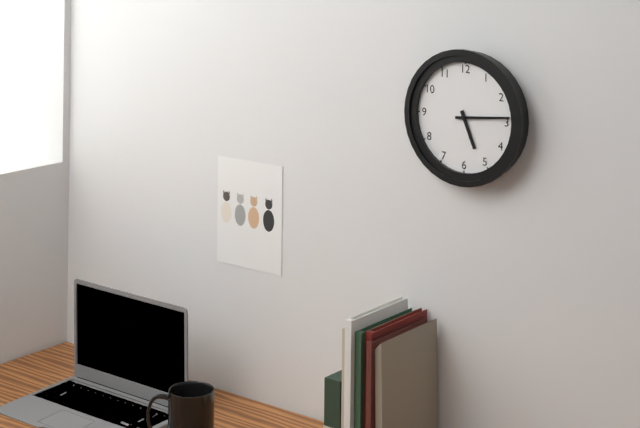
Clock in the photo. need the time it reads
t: 5:14
